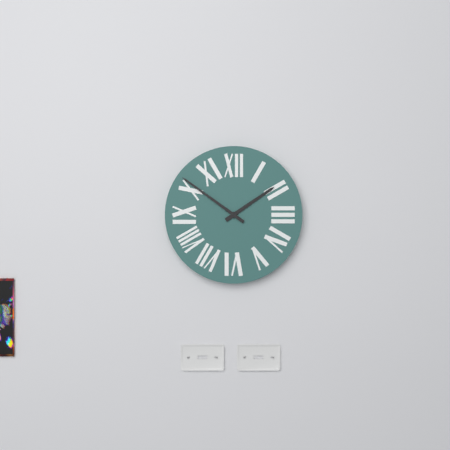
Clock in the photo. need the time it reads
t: 1:51
